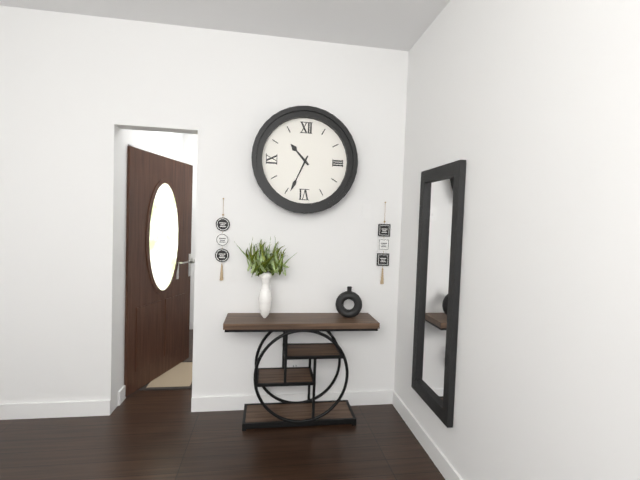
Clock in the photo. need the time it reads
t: 10:34
